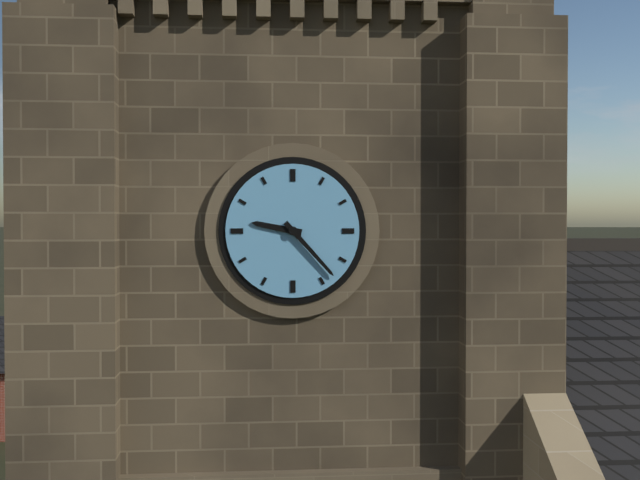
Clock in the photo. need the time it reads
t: 9:23
